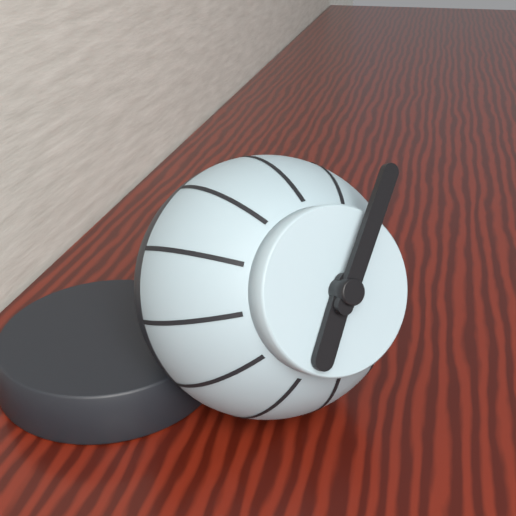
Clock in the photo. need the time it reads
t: 7:06
